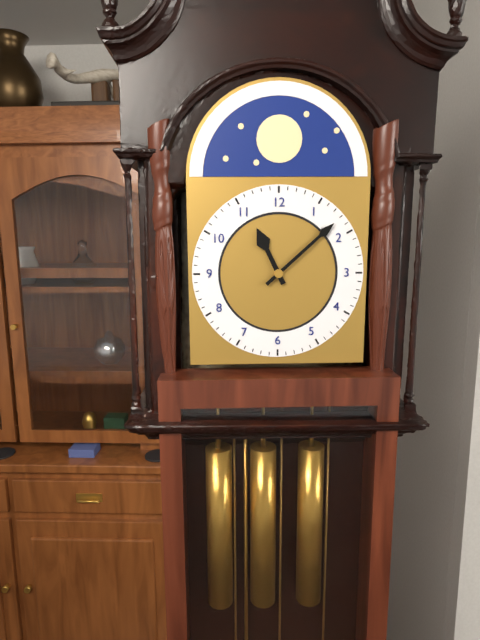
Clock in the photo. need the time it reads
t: 11:08
